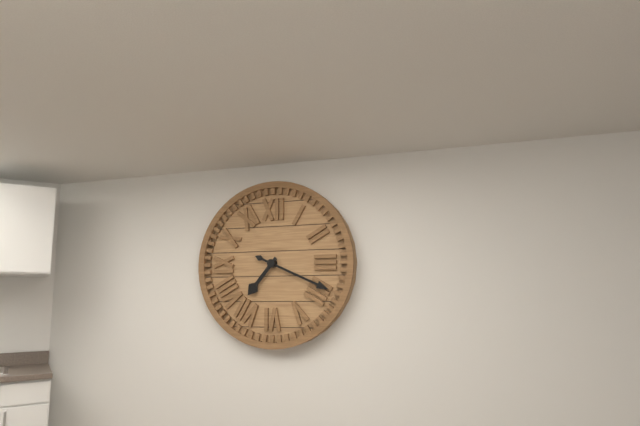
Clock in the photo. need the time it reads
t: 7:19
